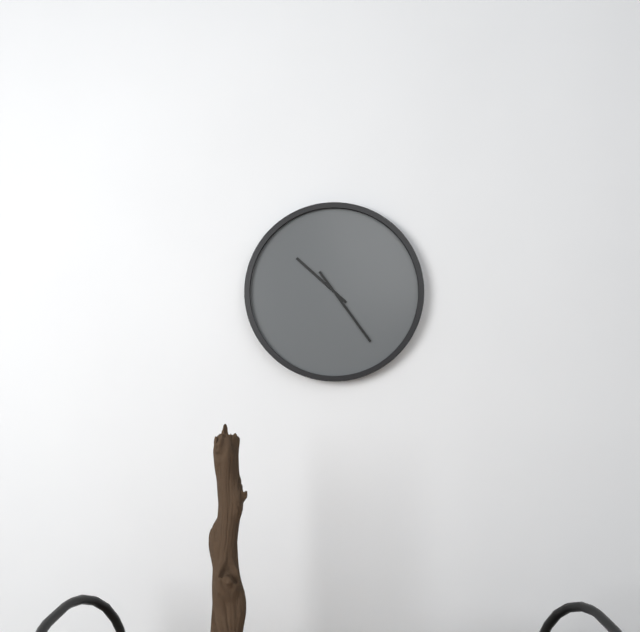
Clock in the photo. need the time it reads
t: 10:24
